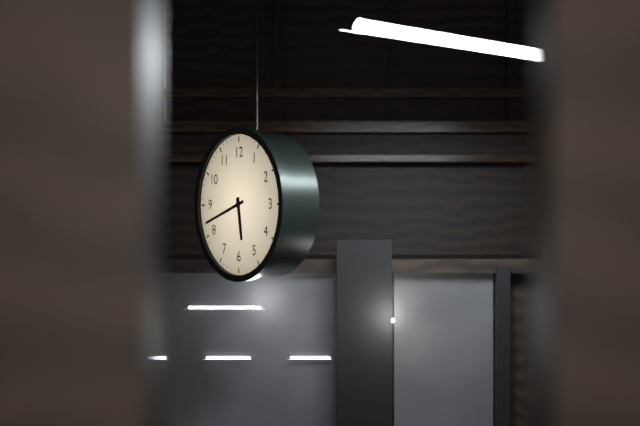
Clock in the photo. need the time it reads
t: 5:42
